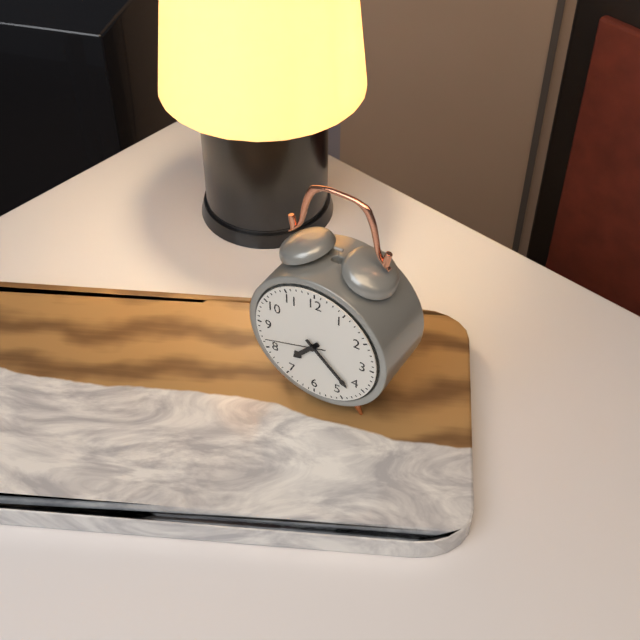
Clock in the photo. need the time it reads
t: 7:22:42
